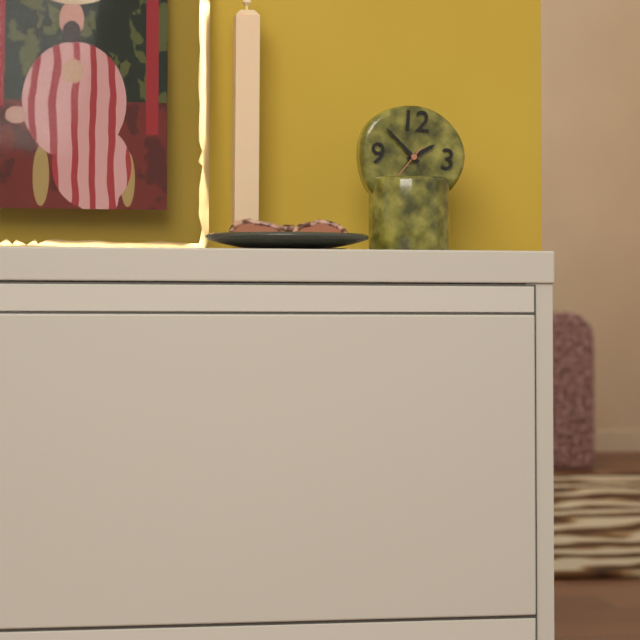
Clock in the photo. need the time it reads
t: 1:52
